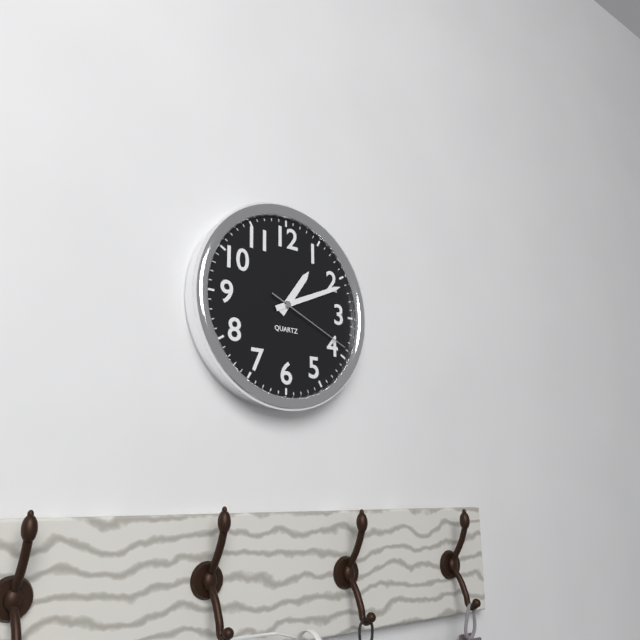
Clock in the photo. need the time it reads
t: 1:11:19
